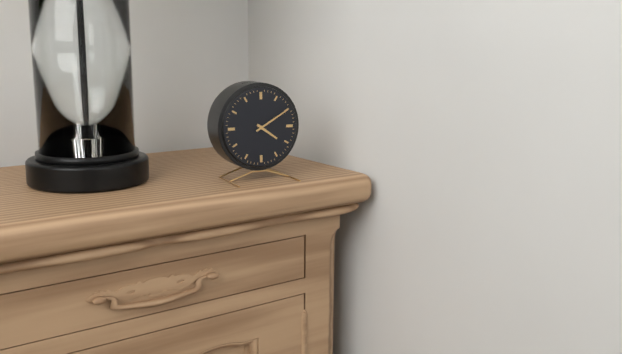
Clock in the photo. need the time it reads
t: 4:10
